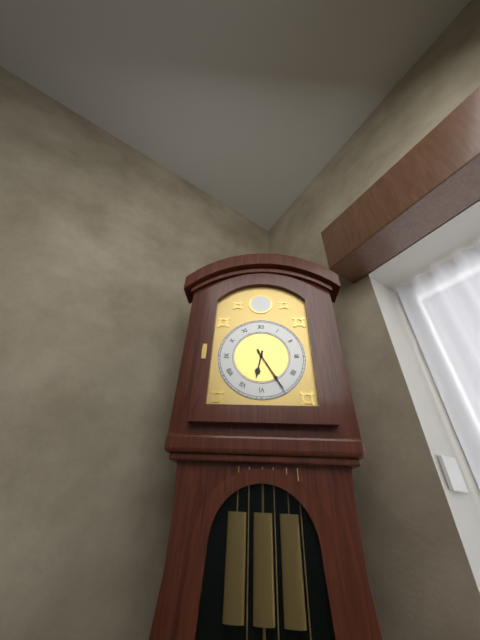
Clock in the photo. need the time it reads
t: 6:25
